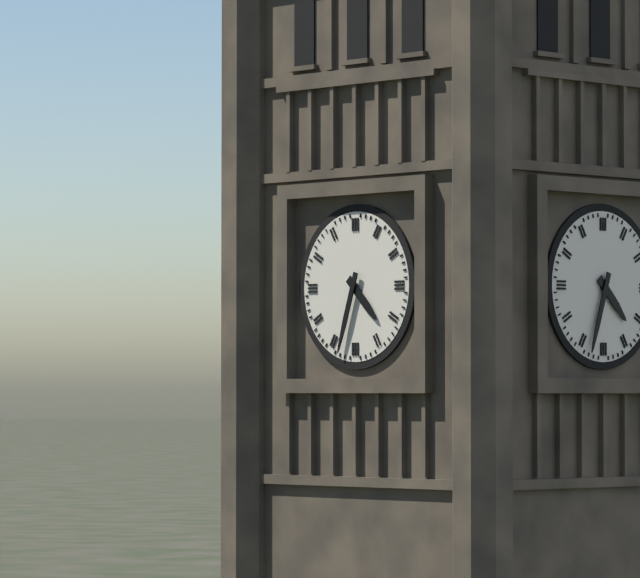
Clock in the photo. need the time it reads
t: 4:33
